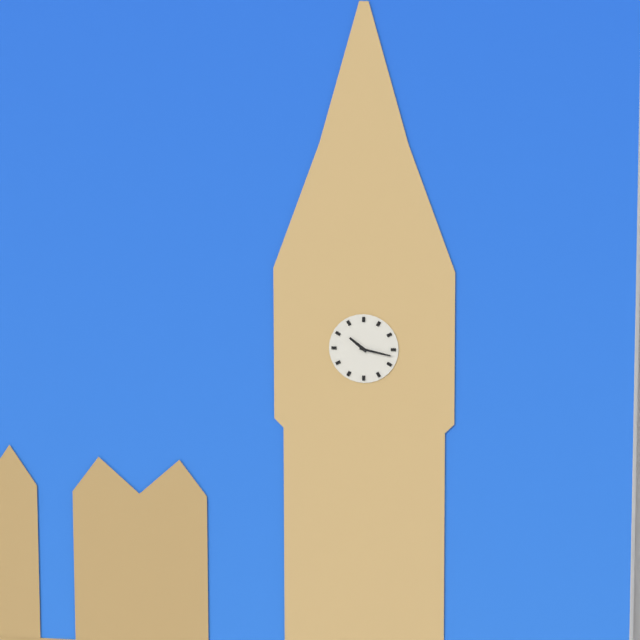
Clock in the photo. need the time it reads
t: 10:17
